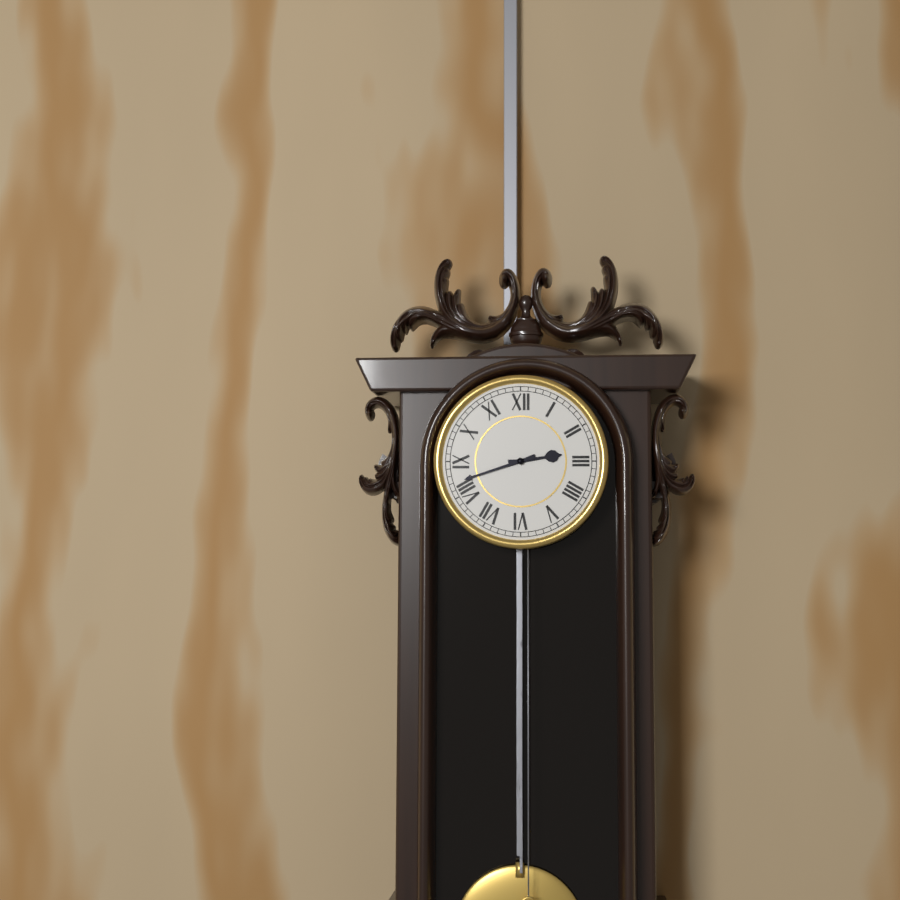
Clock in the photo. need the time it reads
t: 2:42
